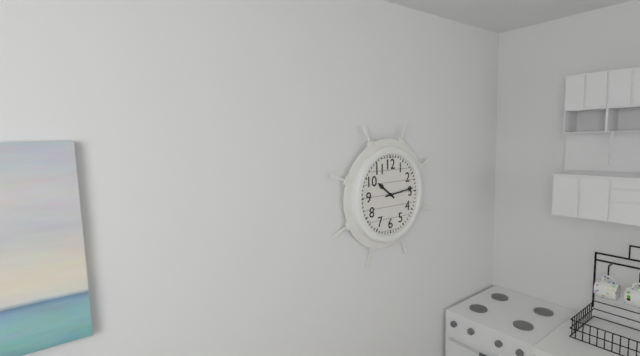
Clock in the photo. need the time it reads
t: 10:14
